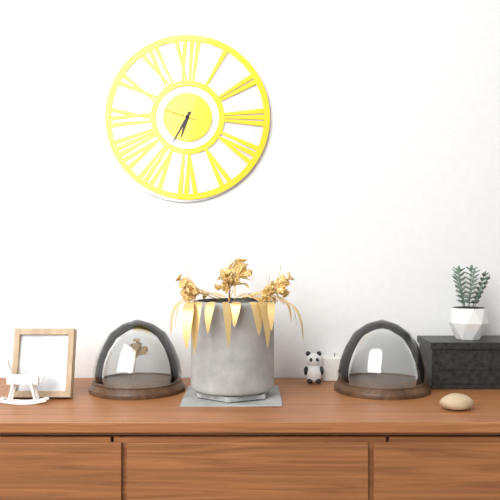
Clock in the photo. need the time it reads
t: 6:35
